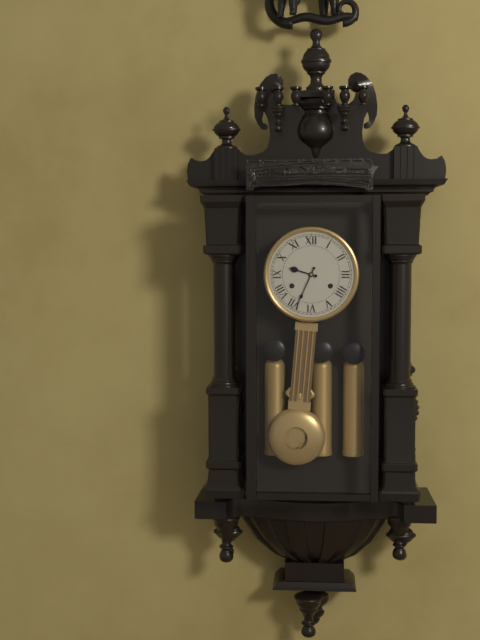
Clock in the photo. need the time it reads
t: 9:34
